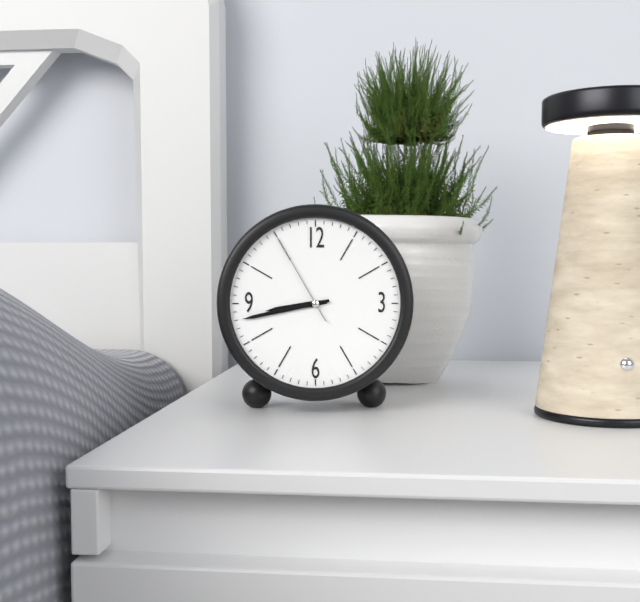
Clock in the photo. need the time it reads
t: 8:43:55
